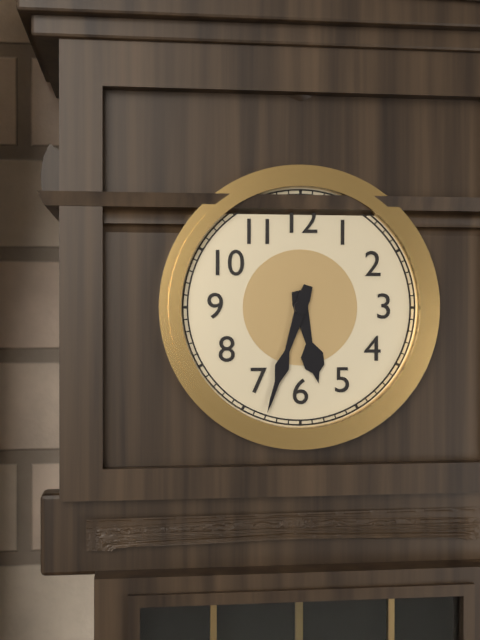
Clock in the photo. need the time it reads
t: 5:33
